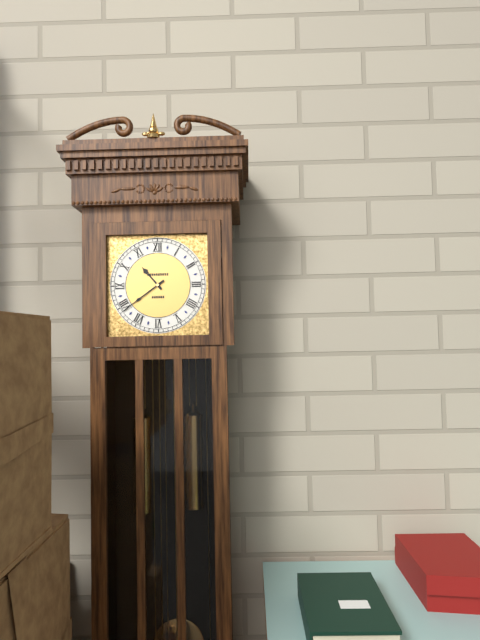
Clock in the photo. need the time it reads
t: 10:39
